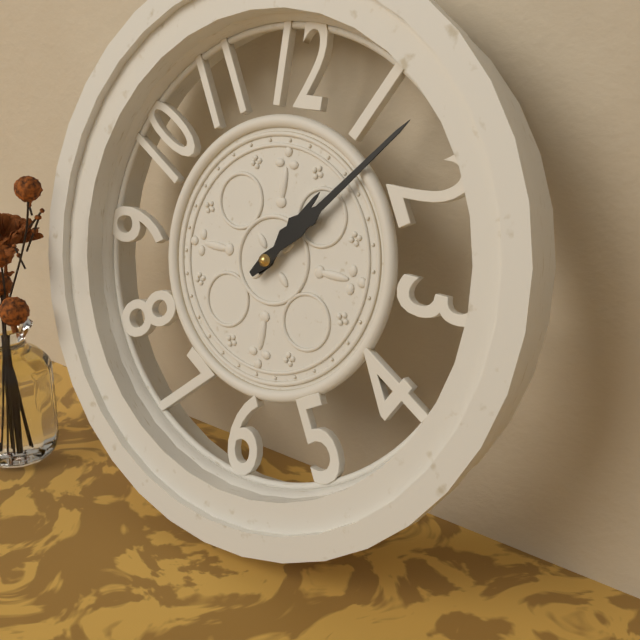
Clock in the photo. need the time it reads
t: 1:07
